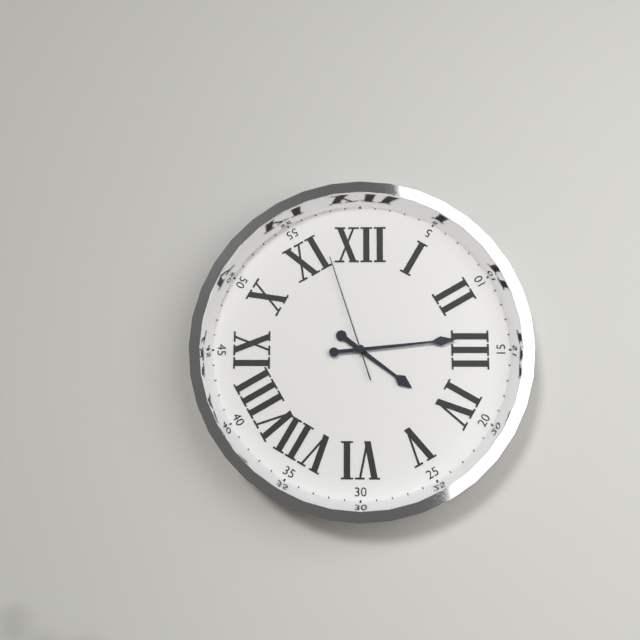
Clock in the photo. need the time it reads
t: 4:14:57
